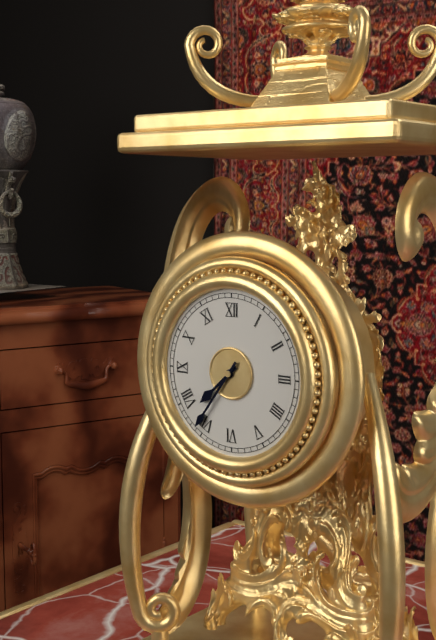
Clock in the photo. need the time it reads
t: 7:36
